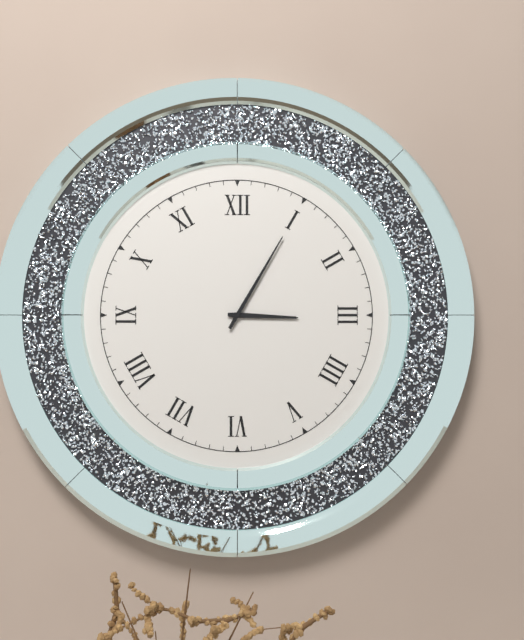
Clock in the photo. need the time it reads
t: 3:05
